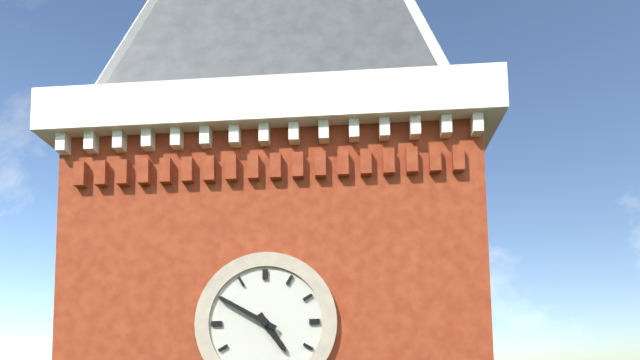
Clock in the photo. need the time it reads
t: 4:50
